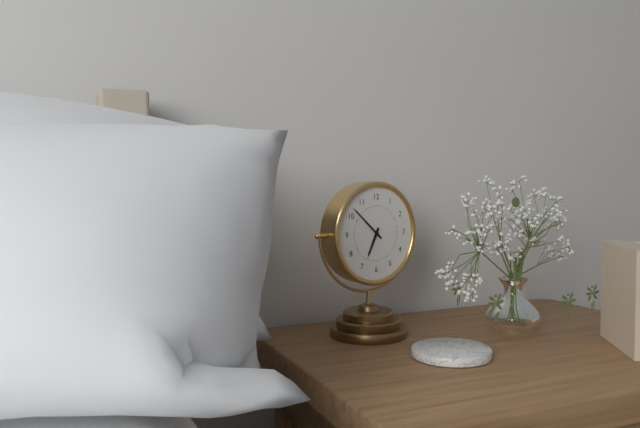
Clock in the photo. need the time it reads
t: 6:52
